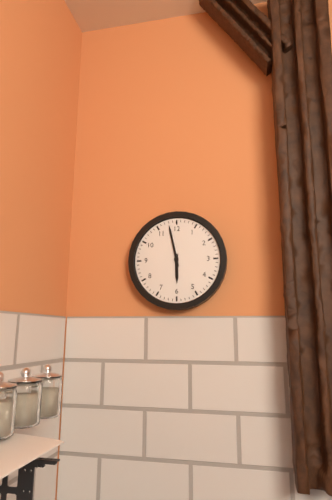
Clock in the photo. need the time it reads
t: 5:58
